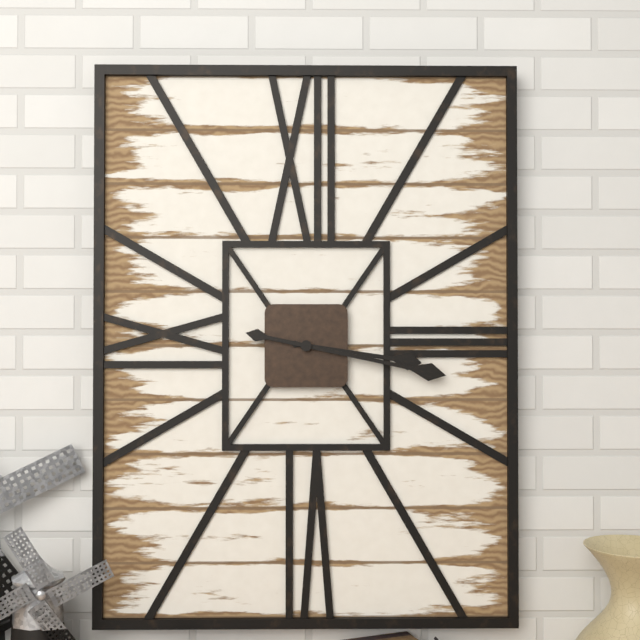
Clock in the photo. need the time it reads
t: 3:17
